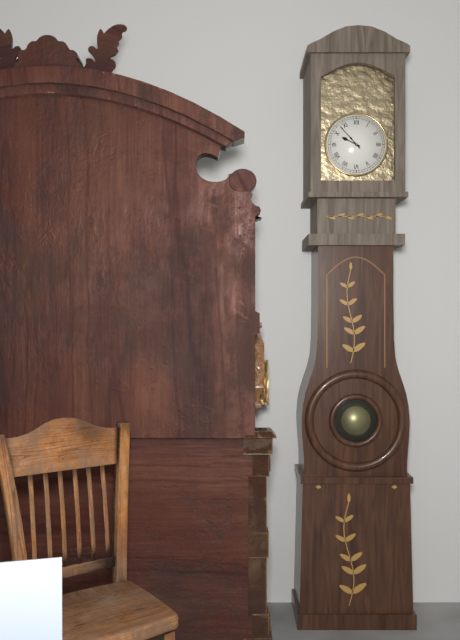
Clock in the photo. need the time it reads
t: 9:53
